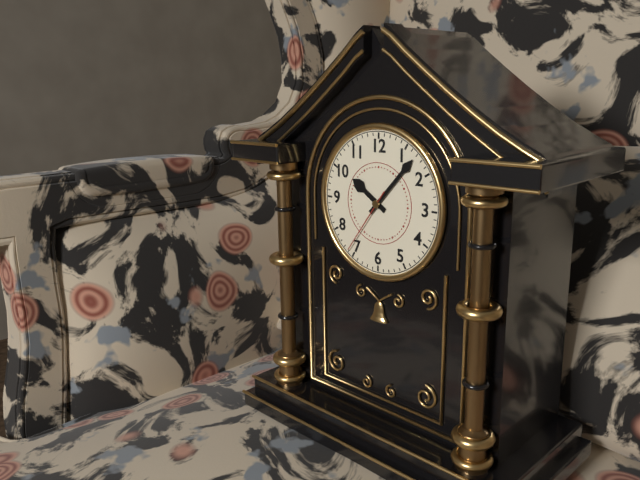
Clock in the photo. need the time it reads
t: 10:07:36
